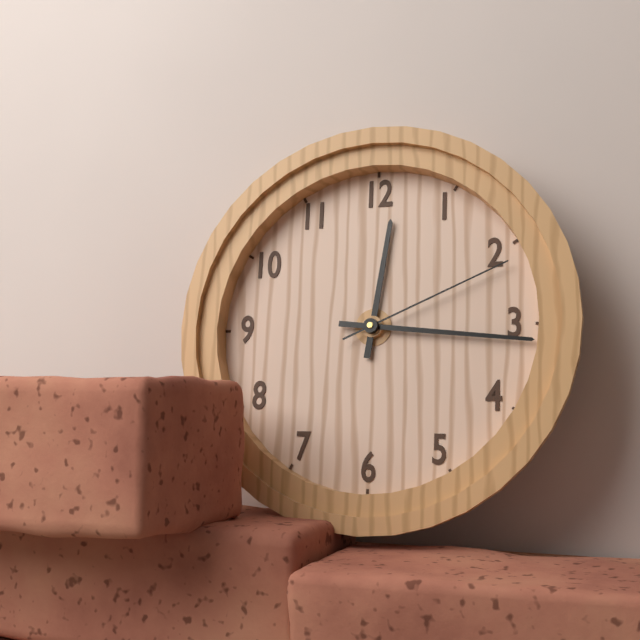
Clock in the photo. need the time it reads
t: 12:16:11
